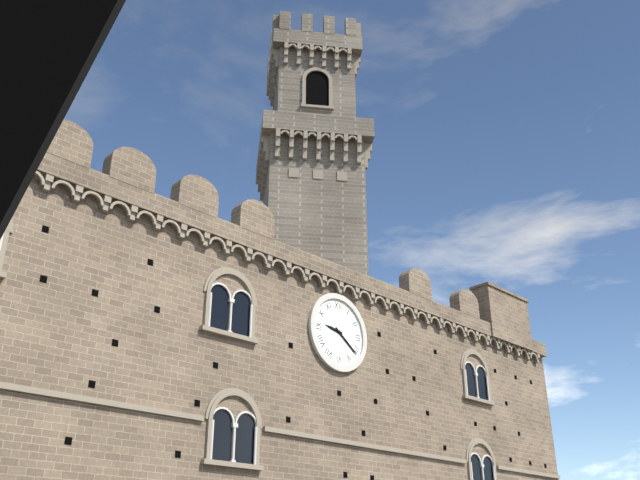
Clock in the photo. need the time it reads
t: 9:21
